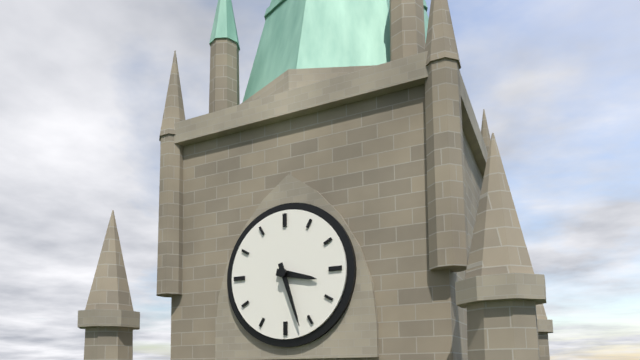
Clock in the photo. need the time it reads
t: 3:27
